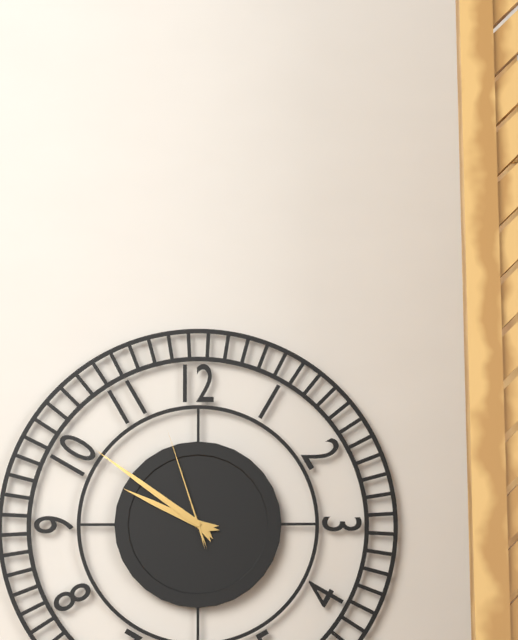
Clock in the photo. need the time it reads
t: 9:51:57
